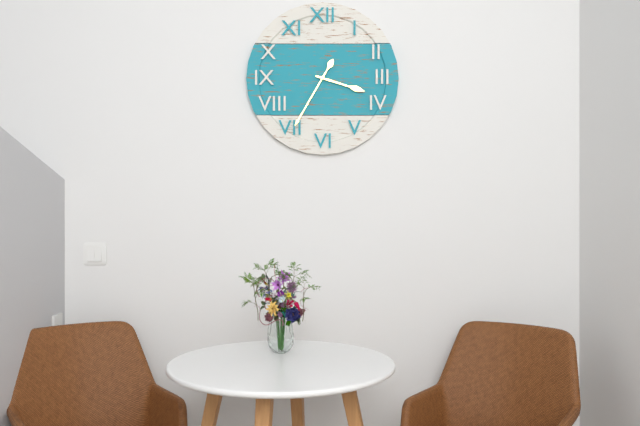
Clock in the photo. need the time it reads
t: 3:35
